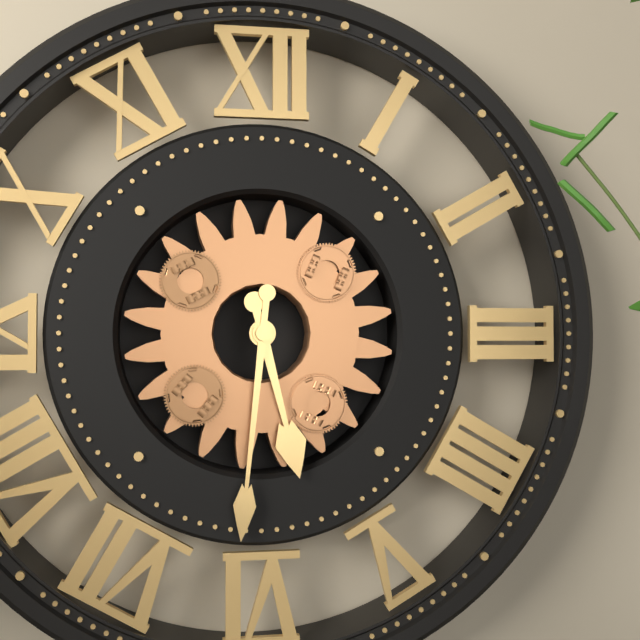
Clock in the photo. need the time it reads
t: 5:31
